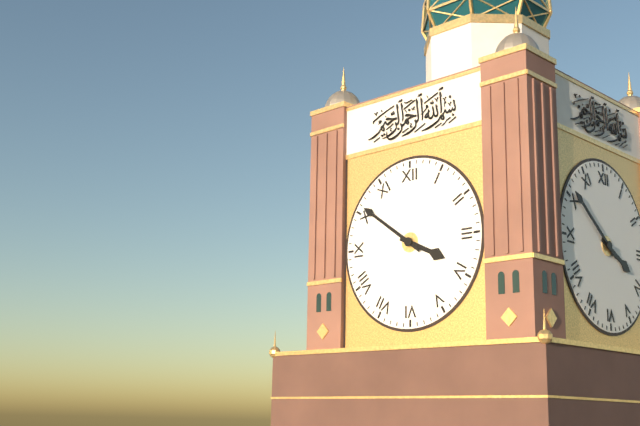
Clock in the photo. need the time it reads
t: 3:51
